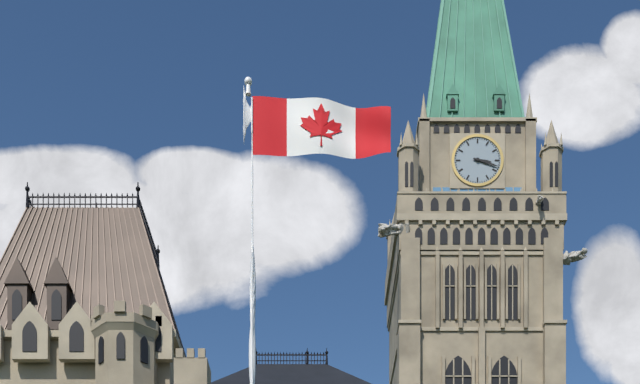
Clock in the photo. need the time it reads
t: 3:18
